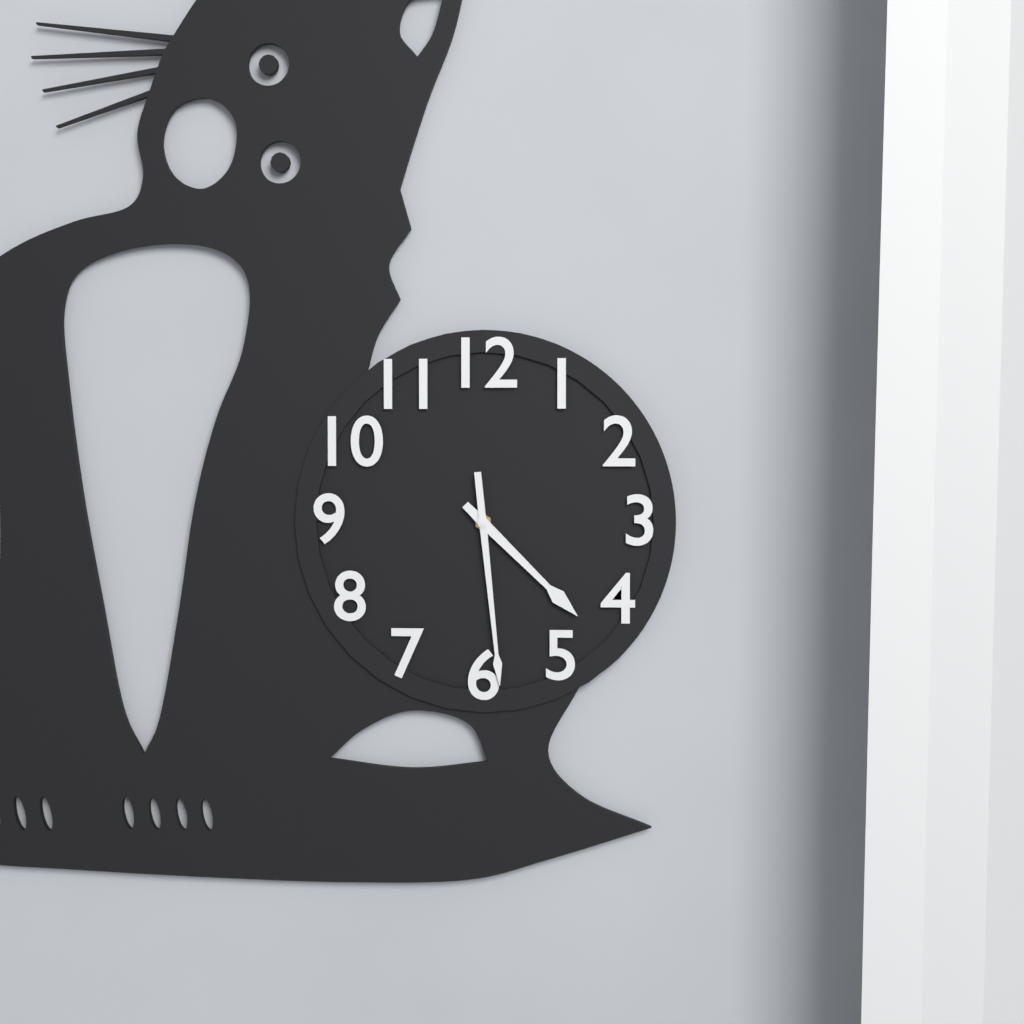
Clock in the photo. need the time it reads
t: 4:29
